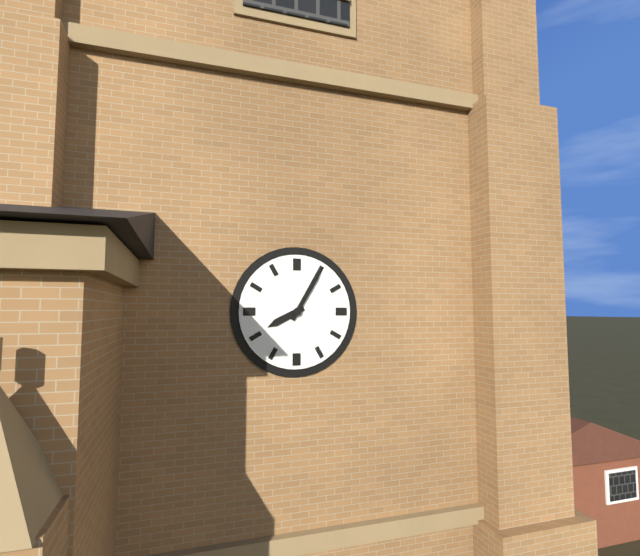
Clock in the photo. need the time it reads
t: 8:05
